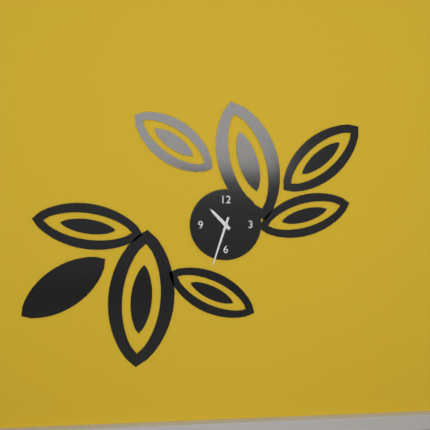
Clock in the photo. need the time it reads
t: 10:33
